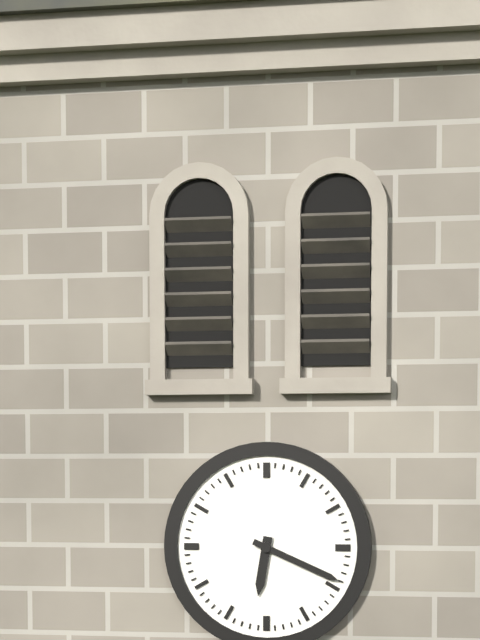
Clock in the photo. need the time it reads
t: 6:19
